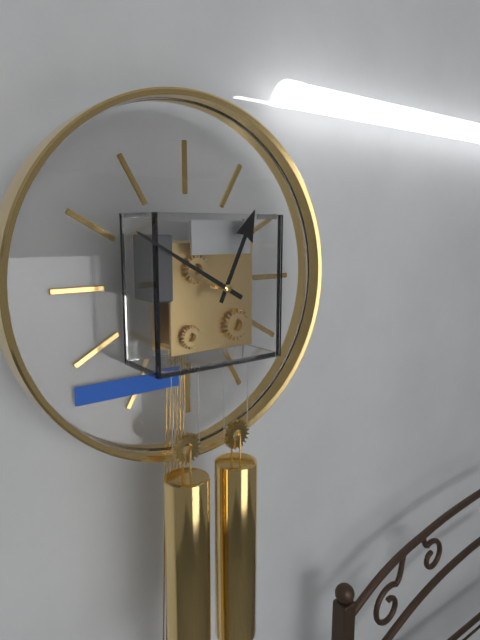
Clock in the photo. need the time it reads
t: 12:50
